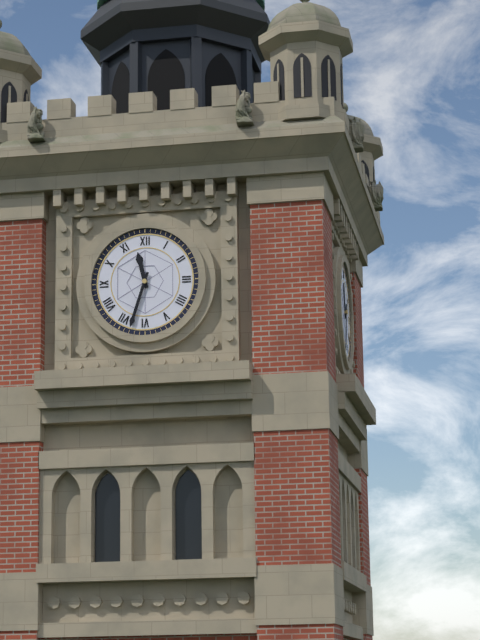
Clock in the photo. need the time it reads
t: 11:33
